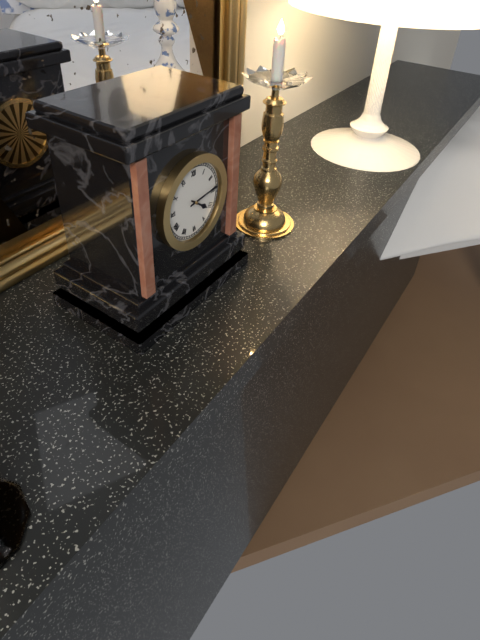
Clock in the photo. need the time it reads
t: 4:14
